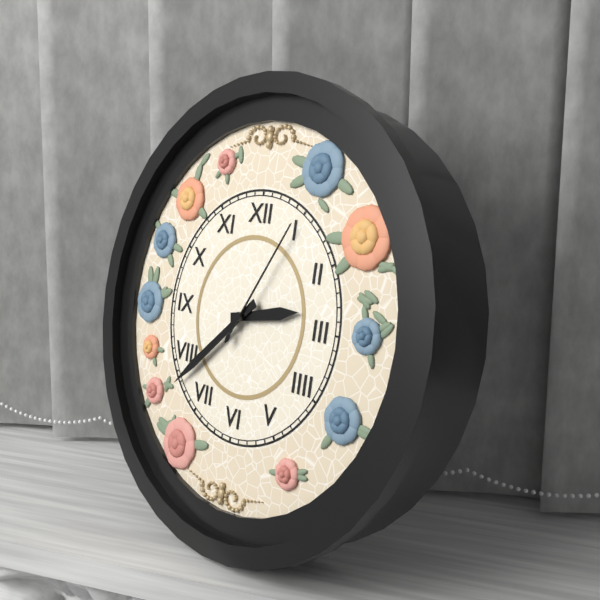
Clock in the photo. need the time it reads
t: 2:38:05
